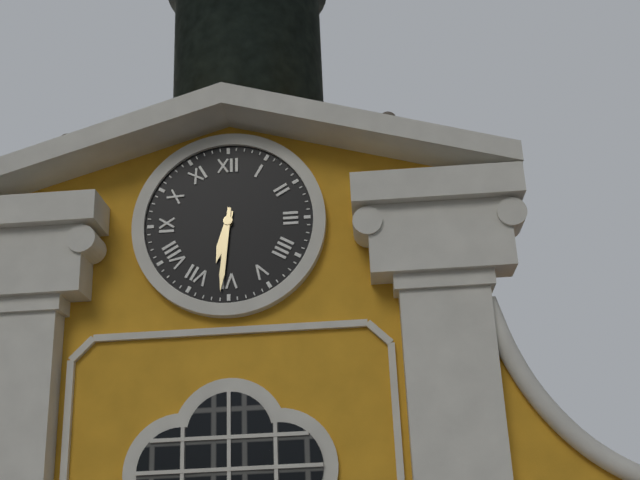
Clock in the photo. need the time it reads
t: 6:31
